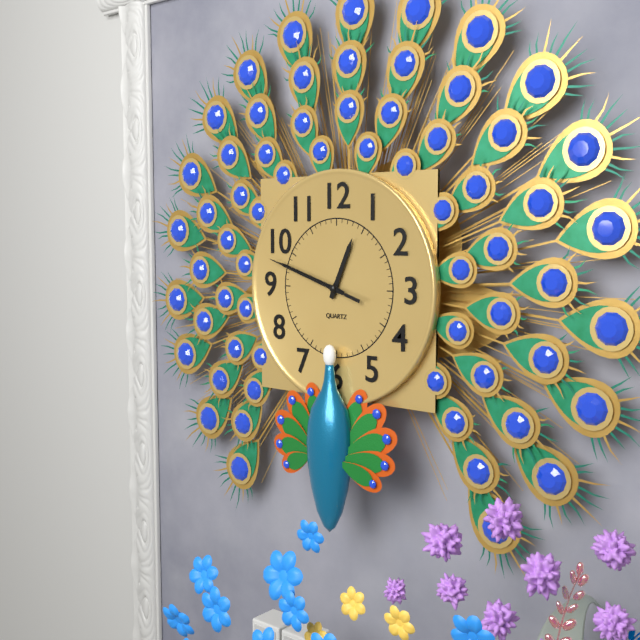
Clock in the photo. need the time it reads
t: 12:48:48
